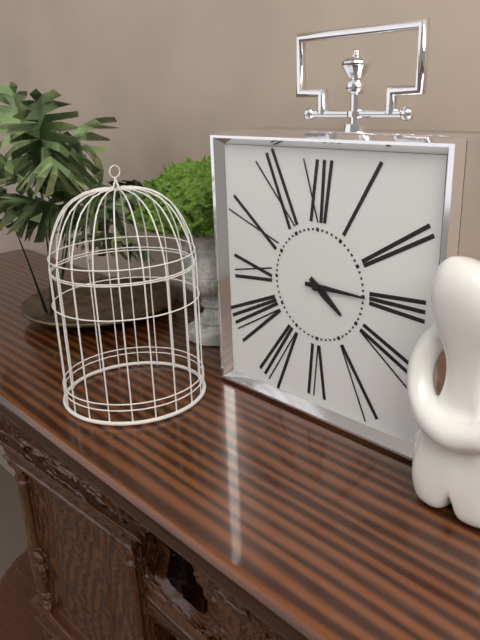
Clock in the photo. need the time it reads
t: 4:15
